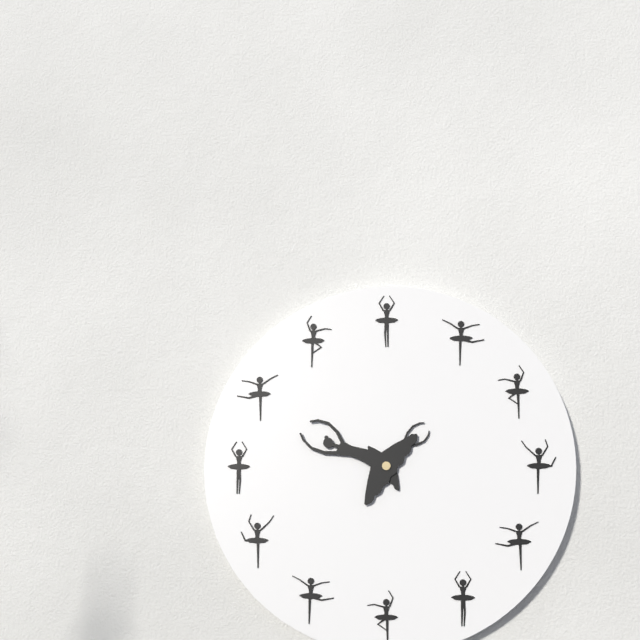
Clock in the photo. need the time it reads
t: 1:51
